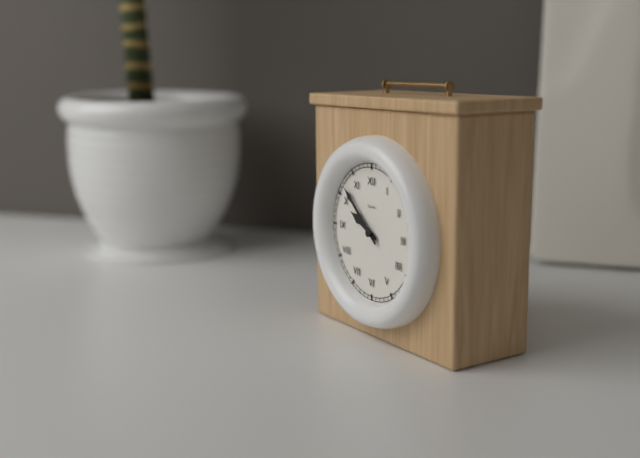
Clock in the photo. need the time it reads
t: 9:52
